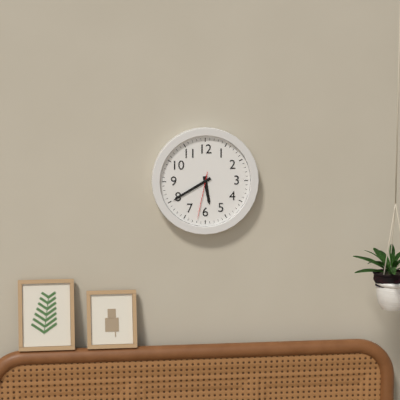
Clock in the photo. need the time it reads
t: 5:40
